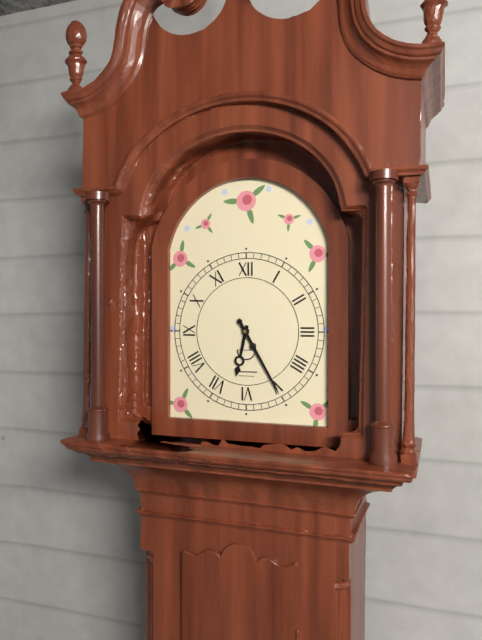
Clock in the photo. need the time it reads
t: 6:25
